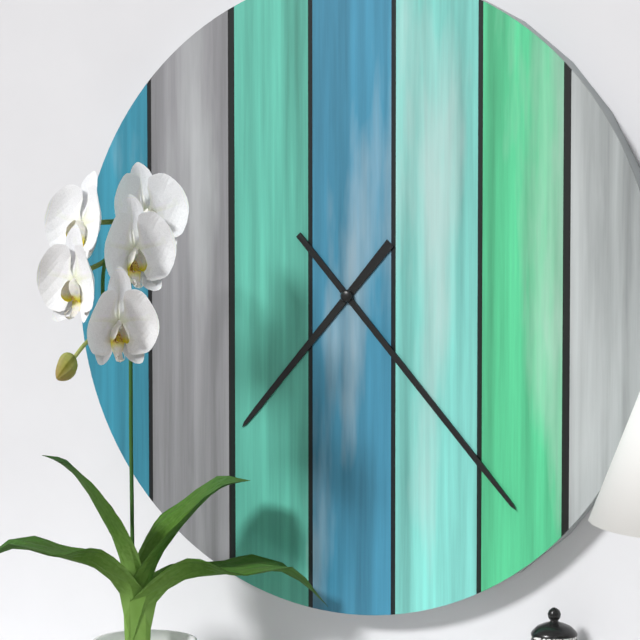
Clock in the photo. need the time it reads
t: 7:23
